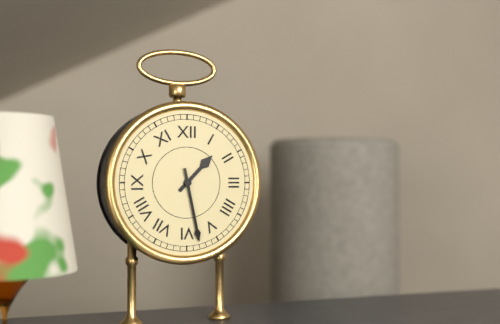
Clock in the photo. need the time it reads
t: 1:28
